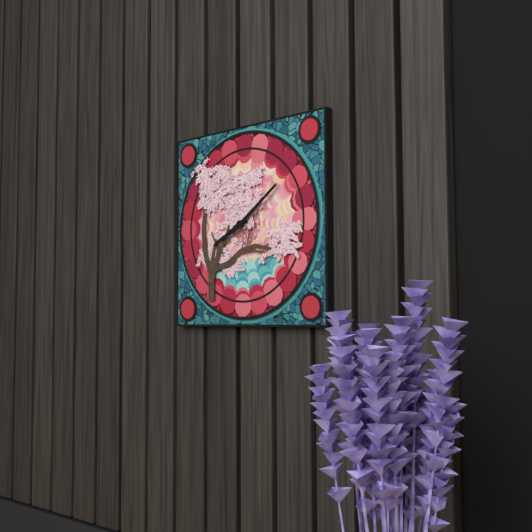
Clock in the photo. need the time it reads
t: 8:09
